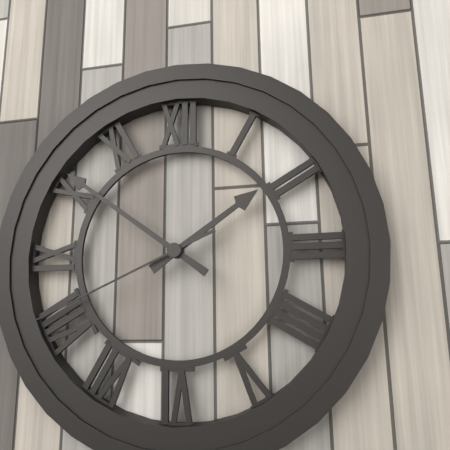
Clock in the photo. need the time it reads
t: 1:51:41
